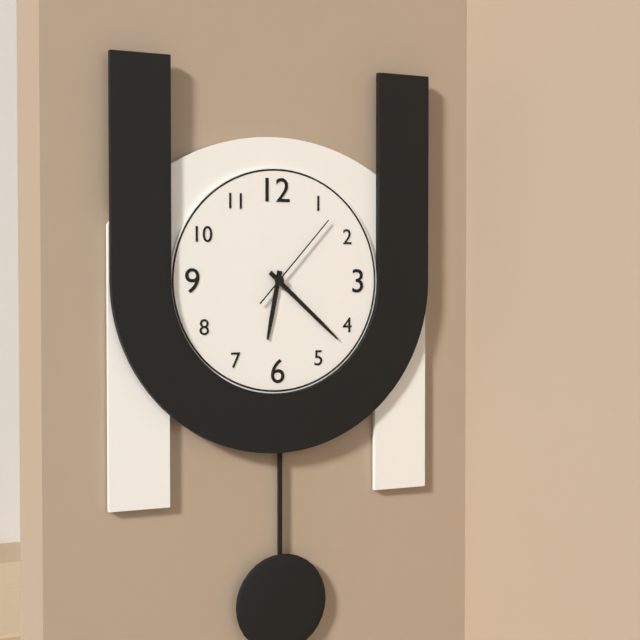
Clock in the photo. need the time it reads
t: 6:22:07
